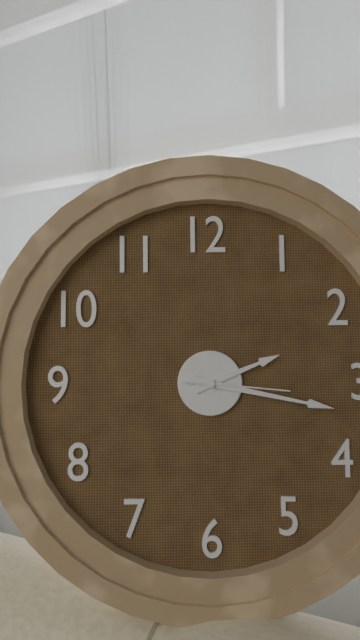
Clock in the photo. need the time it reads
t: 2:17:16
